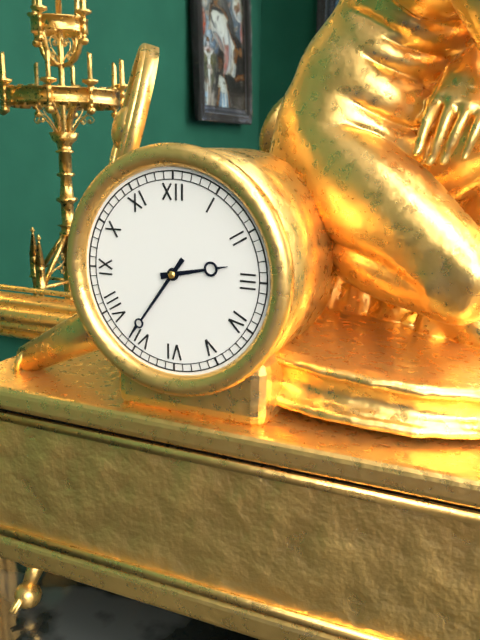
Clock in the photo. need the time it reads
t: 2:36
